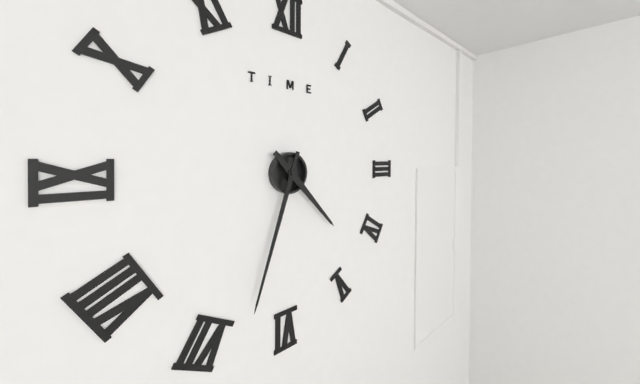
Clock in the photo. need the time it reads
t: 4:33
